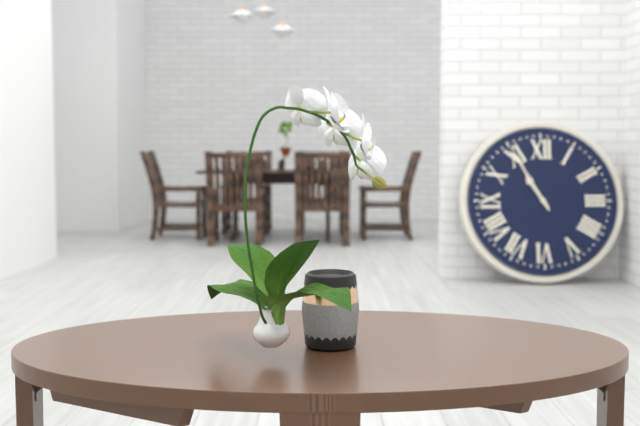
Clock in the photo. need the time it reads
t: 10:55
